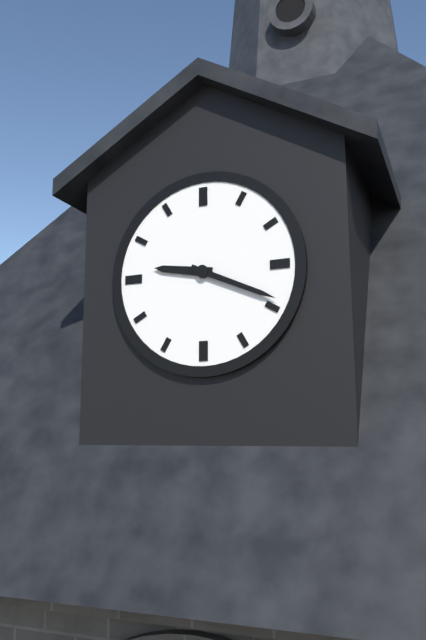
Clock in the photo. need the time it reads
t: 9:19
